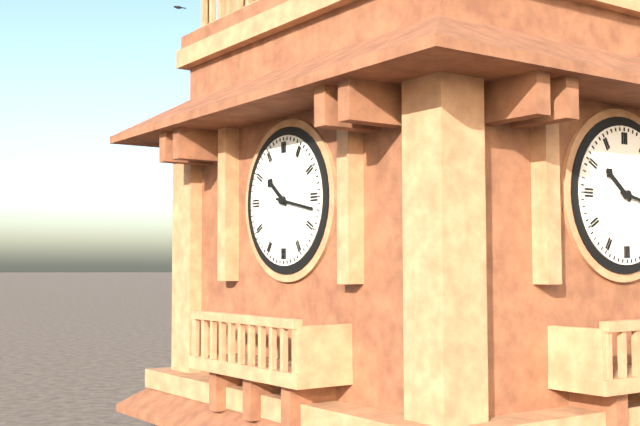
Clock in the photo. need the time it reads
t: 10:17
